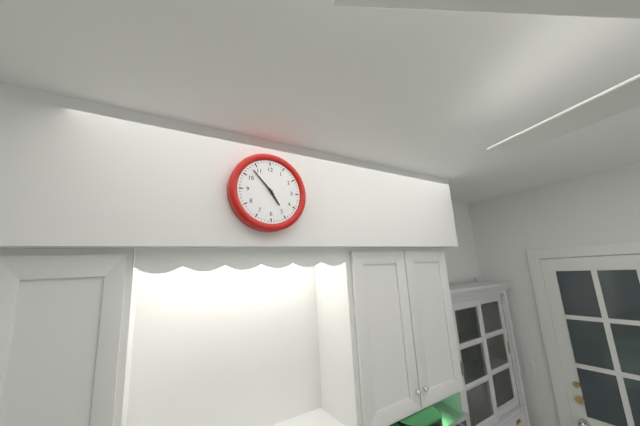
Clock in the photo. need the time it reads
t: 4:53
